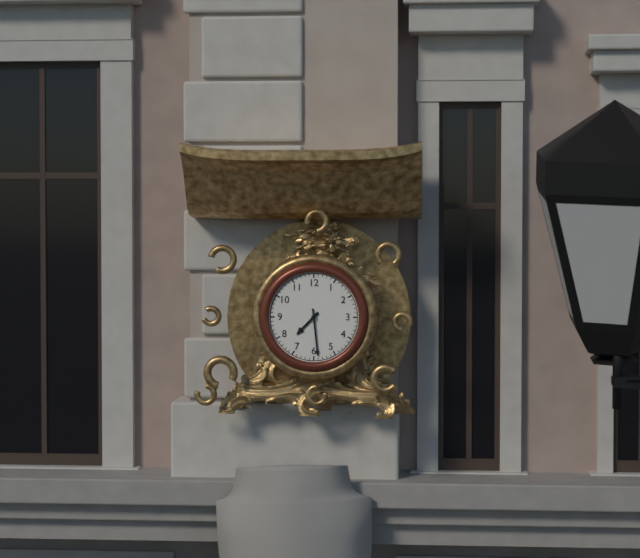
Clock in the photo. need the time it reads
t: 7:29
